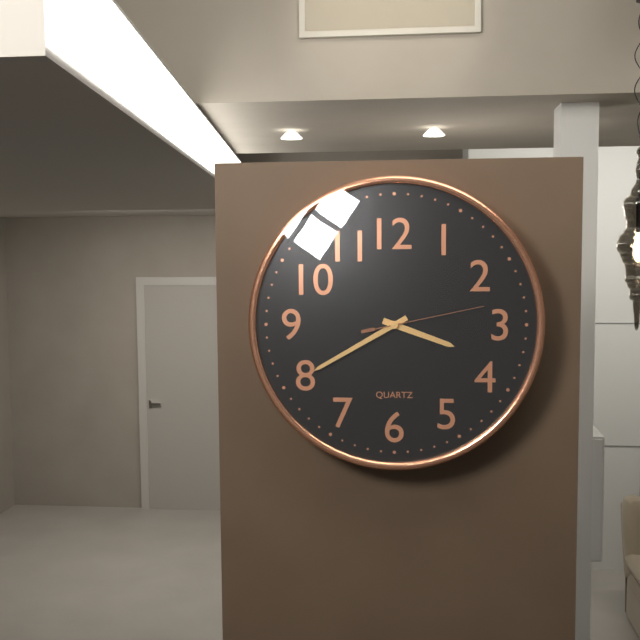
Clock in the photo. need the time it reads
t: 3:40:13
